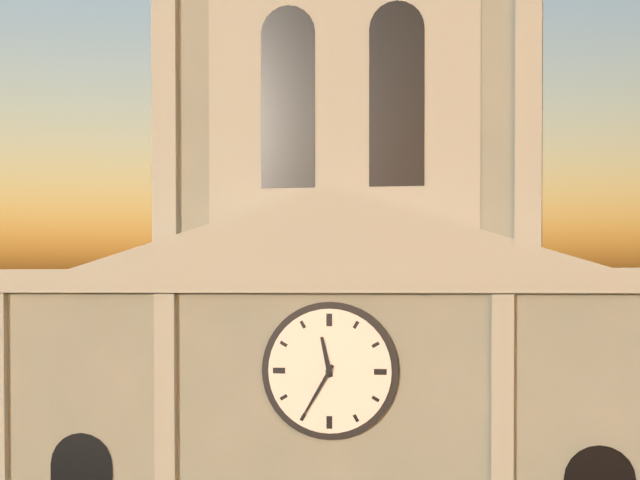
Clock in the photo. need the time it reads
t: 11:35
